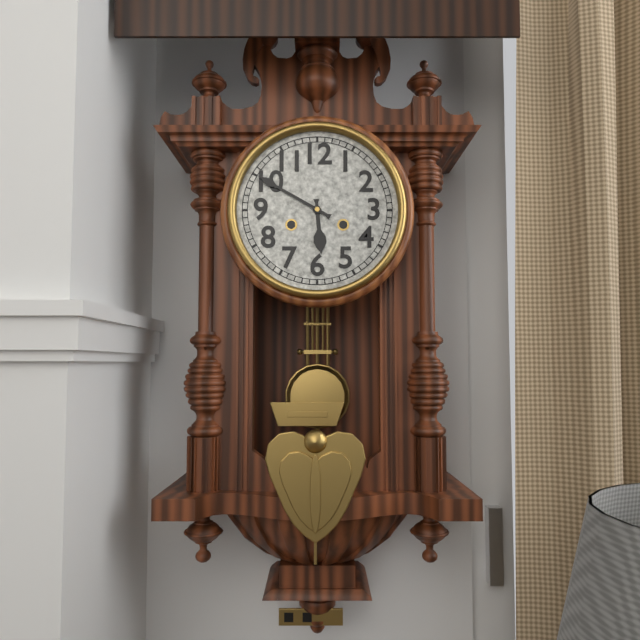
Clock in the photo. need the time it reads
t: 5:50
